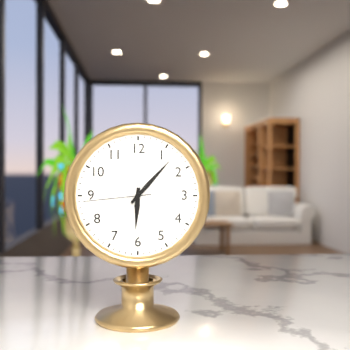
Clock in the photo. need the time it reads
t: 6:07:44
